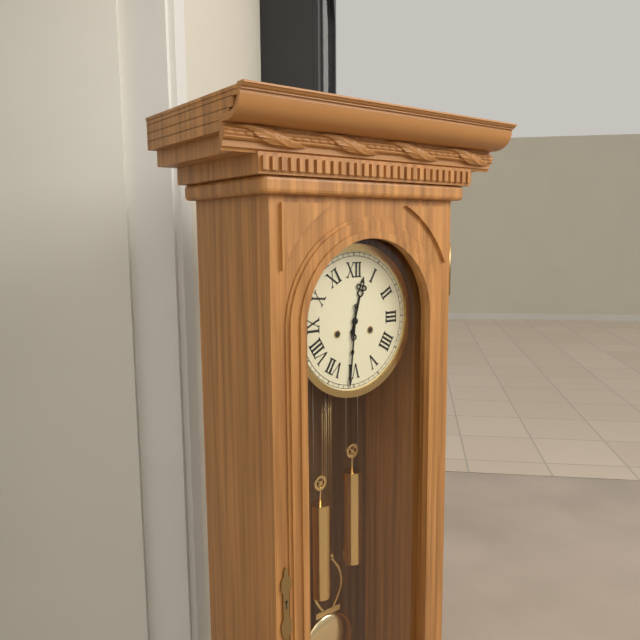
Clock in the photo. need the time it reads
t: 12:31
